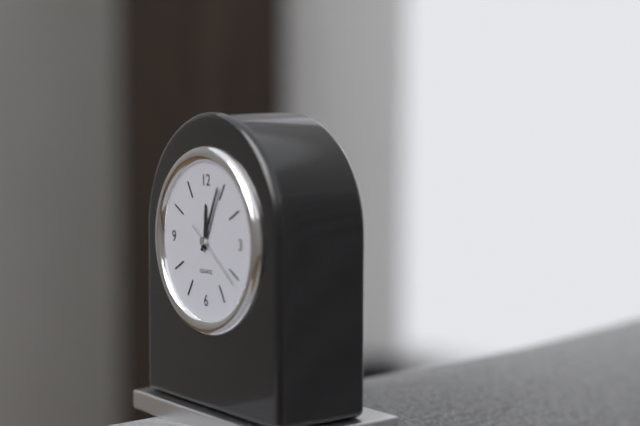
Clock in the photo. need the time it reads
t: 12:04:21
